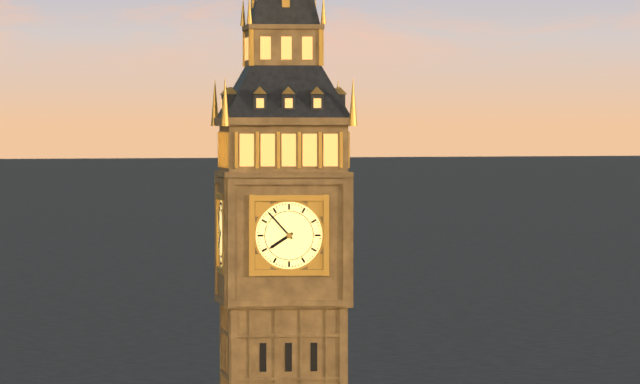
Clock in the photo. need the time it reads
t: 7:53
